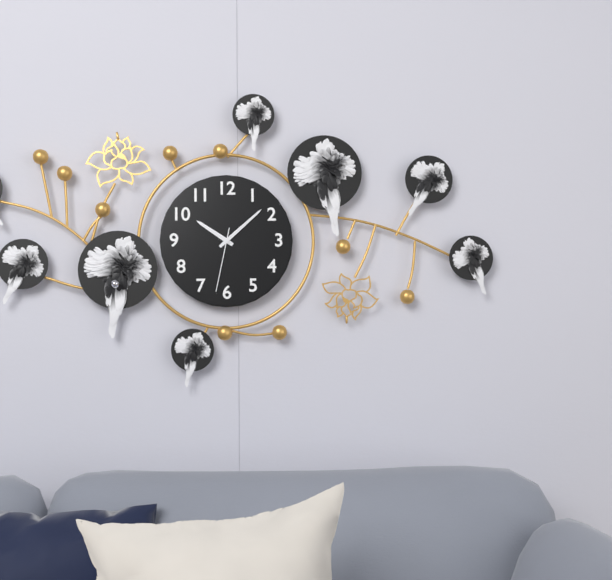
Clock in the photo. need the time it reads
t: 10:08:32
